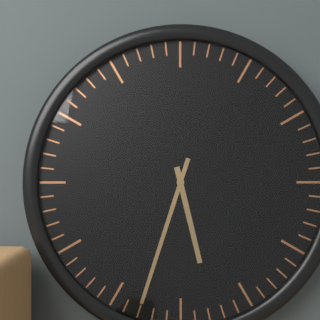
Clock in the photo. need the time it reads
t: 5:33
